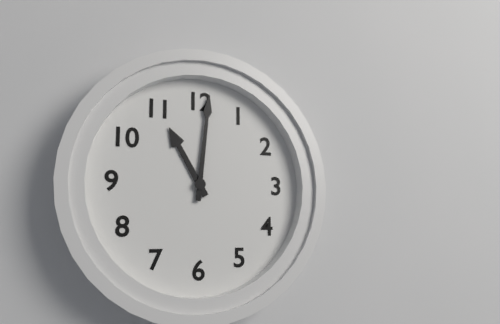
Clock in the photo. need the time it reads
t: 11:01
